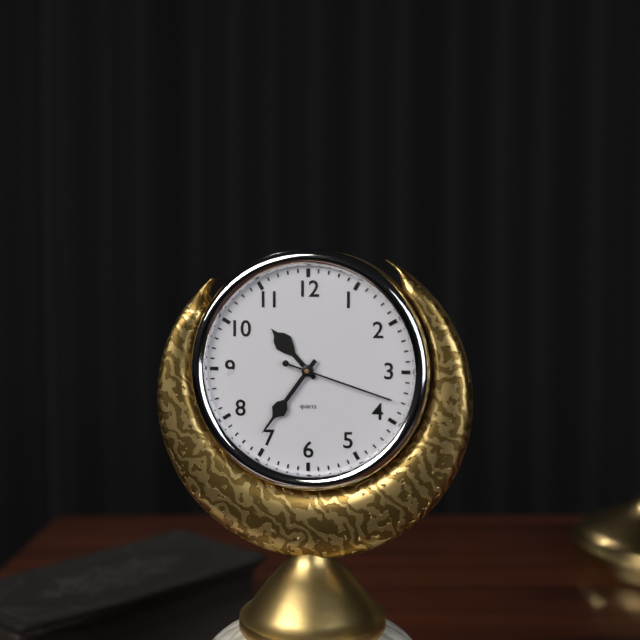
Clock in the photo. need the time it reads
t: 10:36:18
